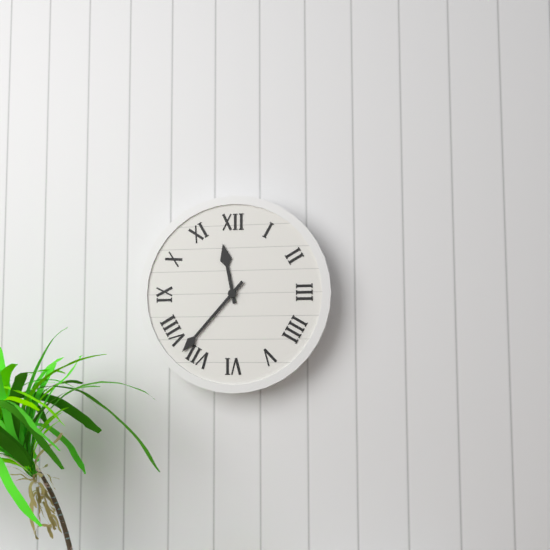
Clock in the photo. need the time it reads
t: 11:37
